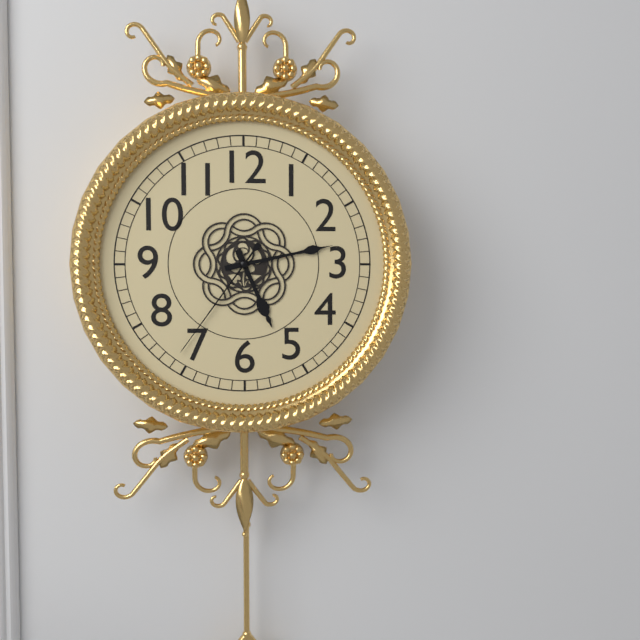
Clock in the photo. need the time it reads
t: 5:13:36
